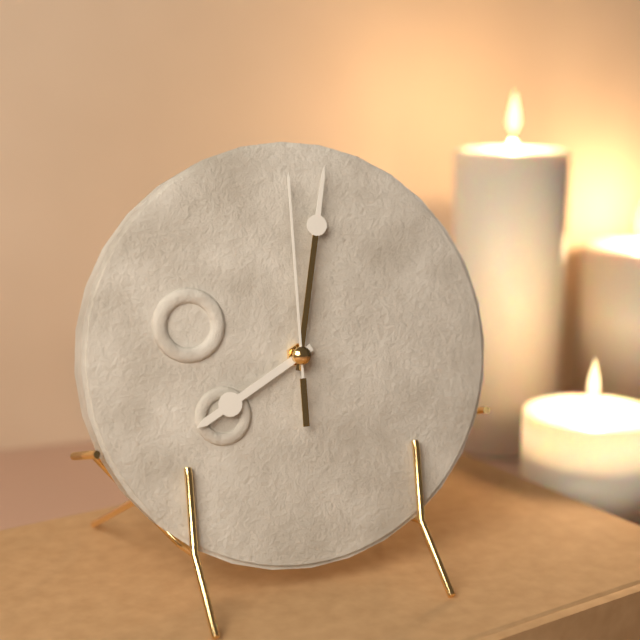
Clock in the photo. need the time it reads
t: 8:02:00
